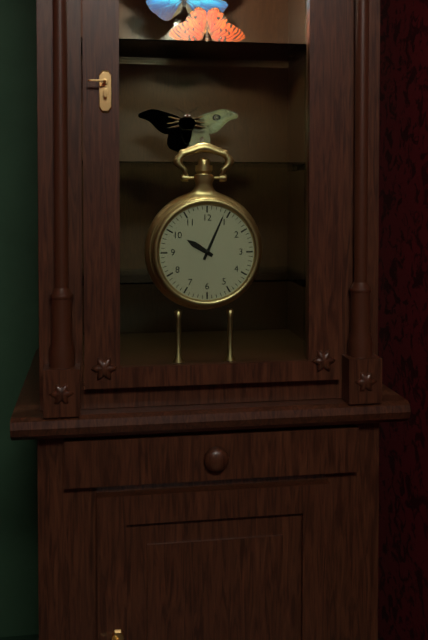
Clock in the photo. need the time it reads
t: 10:04
